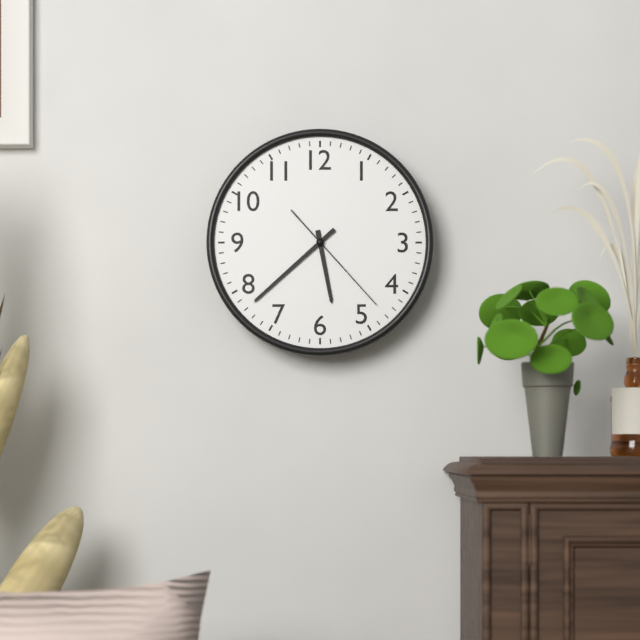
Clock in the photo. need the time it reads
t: 5:38:23
